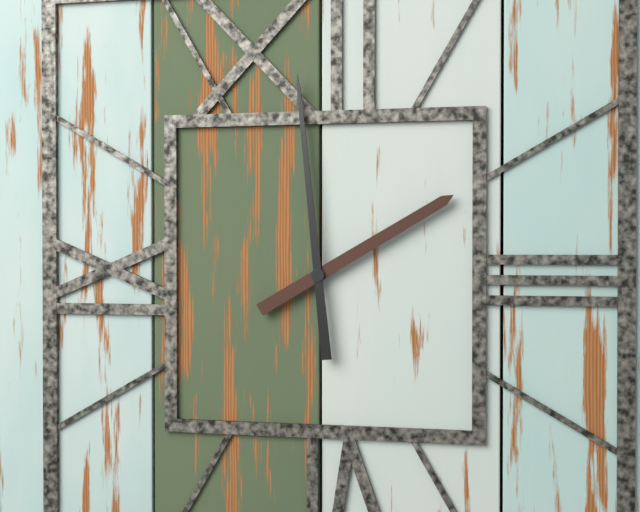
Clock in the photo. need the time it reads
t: 1:59
